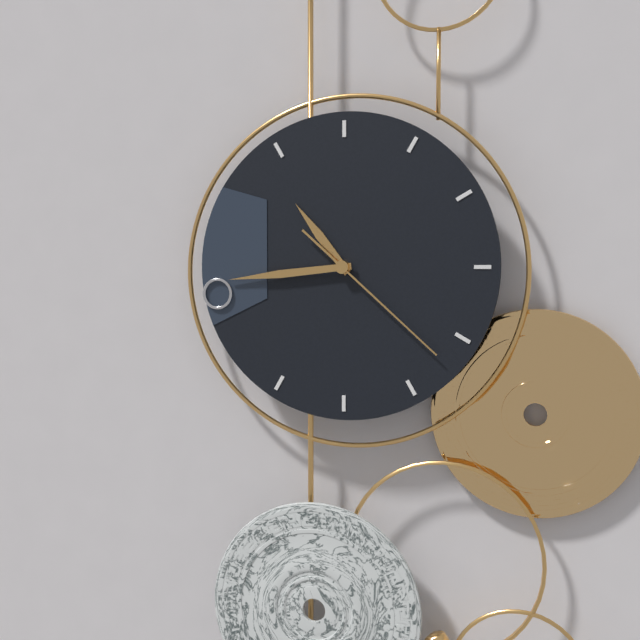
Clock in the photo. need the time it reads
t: 10:44:22
